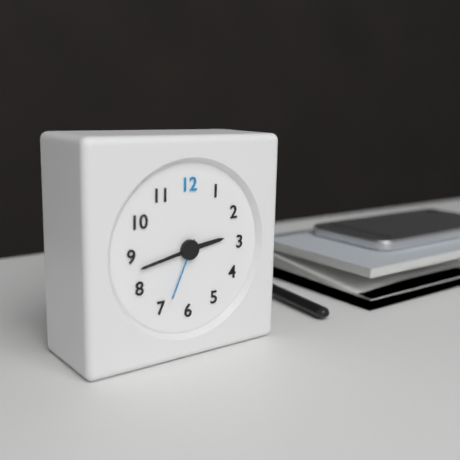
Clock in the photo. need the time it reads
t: 2:43:34
